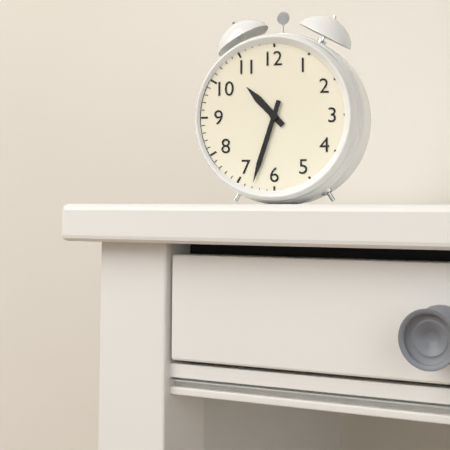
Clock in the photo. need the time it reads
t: 10:33
